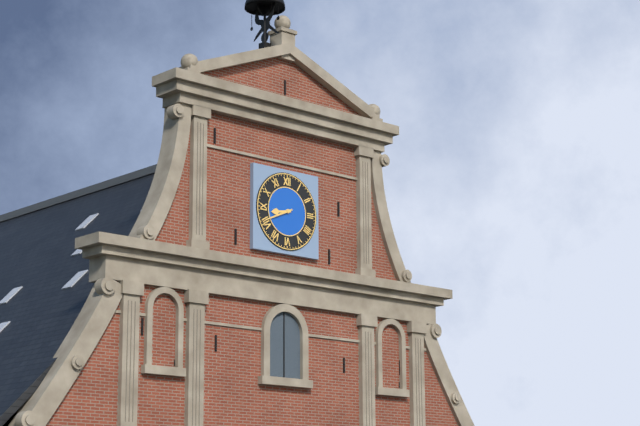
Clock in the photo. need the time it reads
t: 8:41
